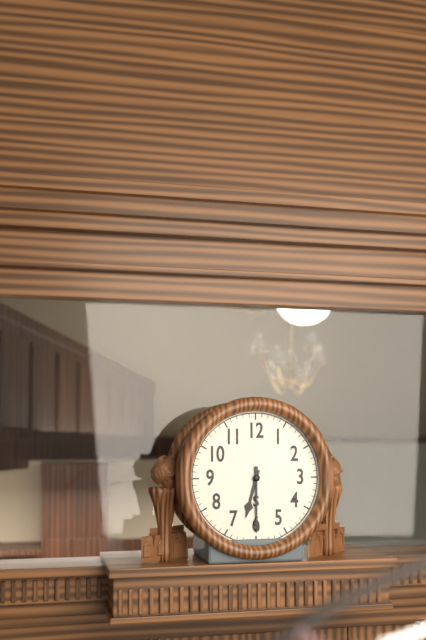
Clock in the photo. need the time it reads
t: 6:30
